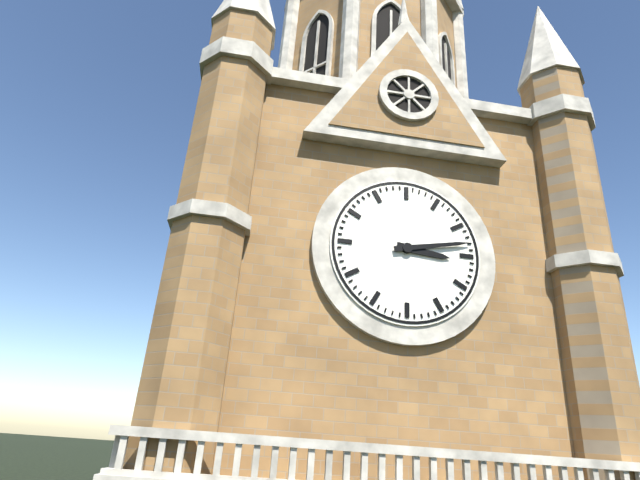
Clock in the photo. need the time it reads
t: 3:13
